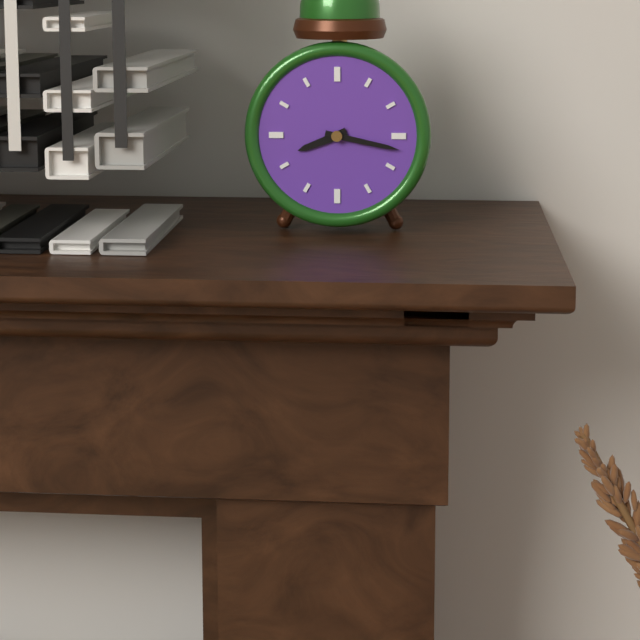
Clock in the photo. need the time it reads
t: 8:17
